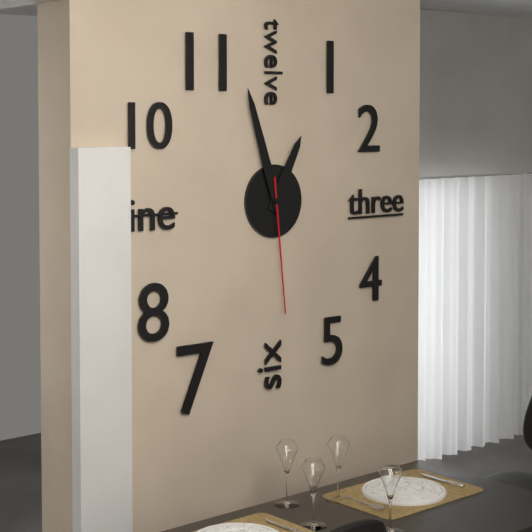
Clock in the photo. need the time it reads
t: 12:57:29
